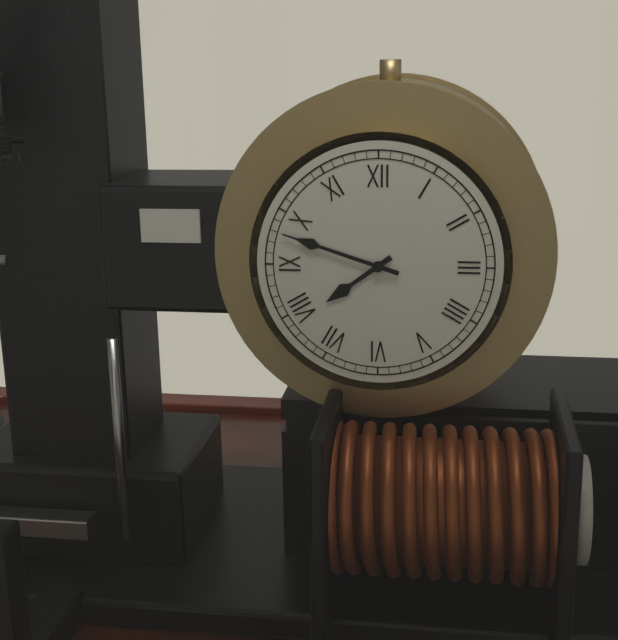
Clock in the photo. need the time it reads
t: 7:48
